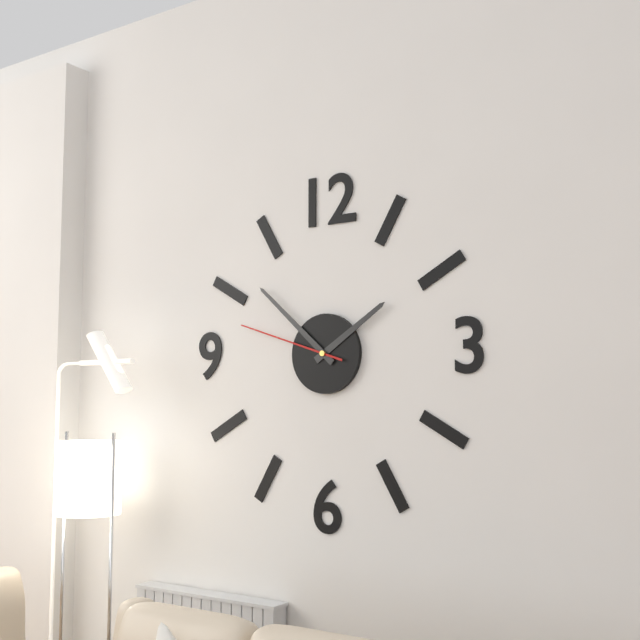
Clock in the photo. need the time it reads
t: 1:52:48
